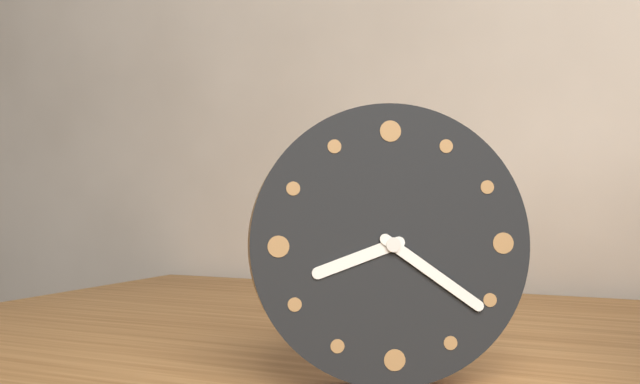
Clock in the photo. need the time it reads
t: 8:21
